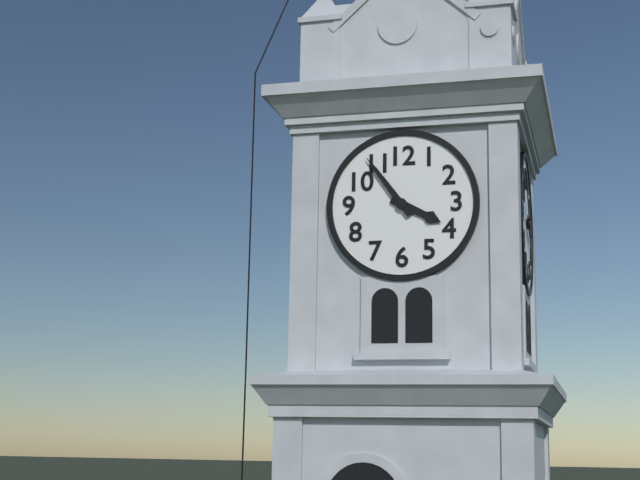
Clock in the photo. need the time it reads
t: 3:54
